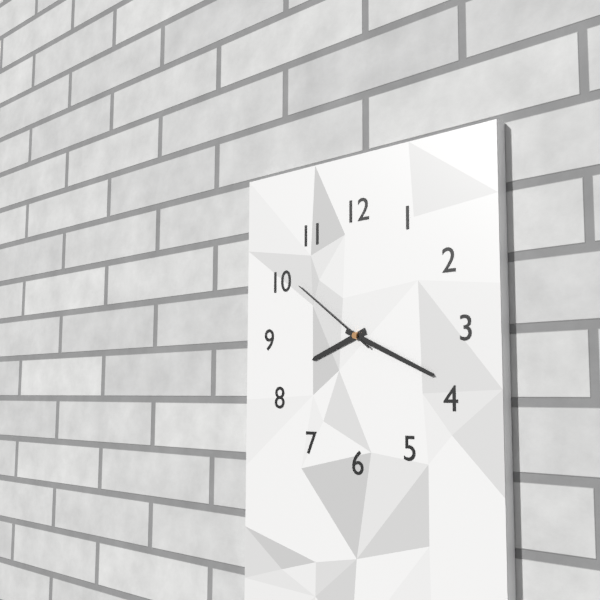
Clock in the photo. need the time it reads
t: 8:19:51
